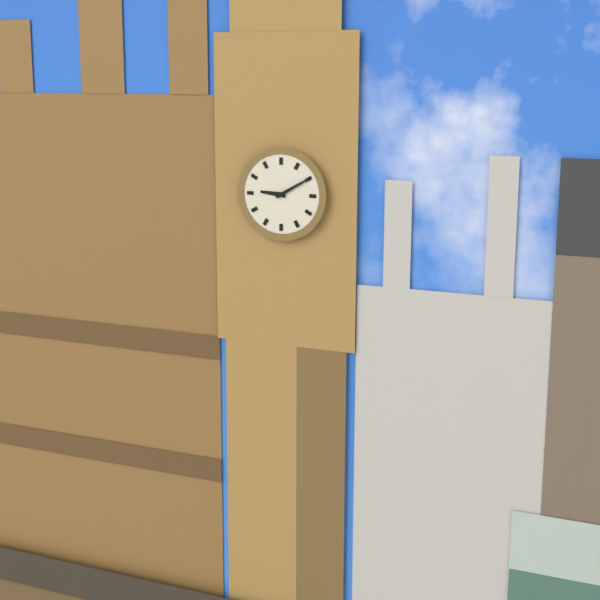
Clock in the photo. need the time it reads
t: 9:10
